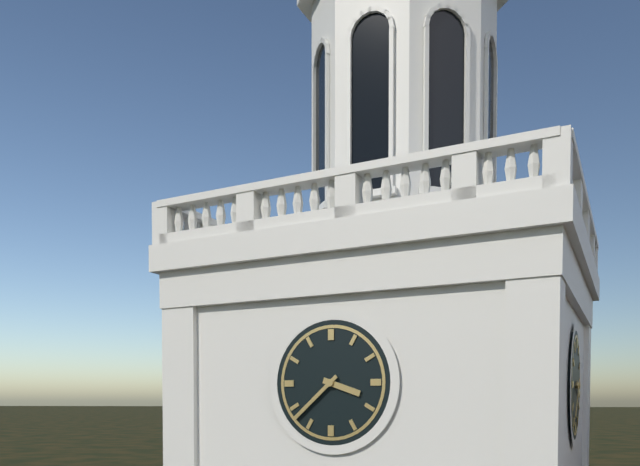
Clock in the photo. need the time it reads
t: 3:38
